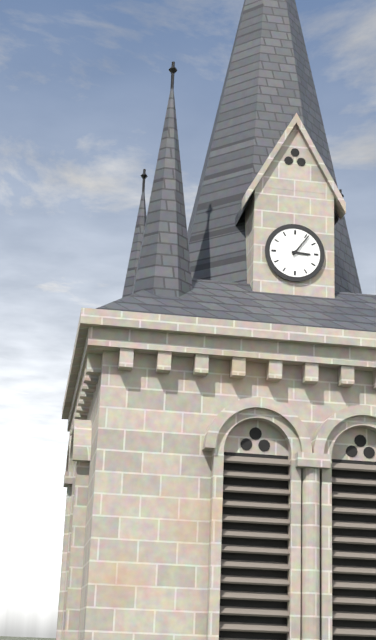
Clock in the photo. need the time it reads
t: 3:06
